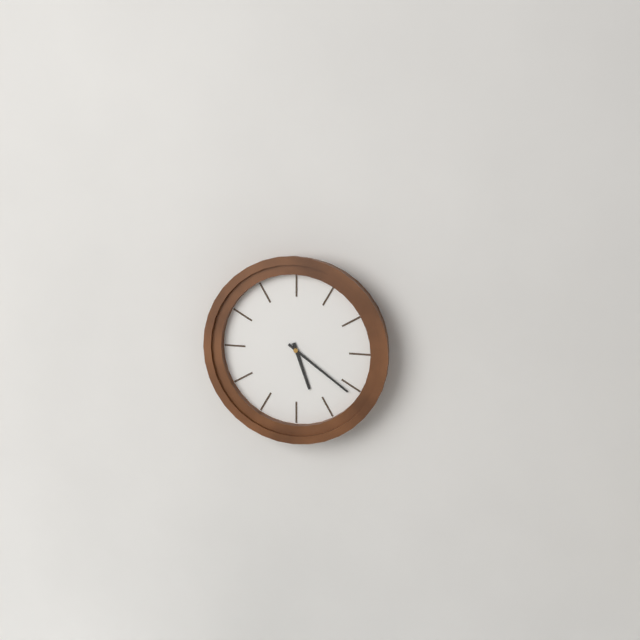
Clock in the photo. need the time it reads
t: 5:21
